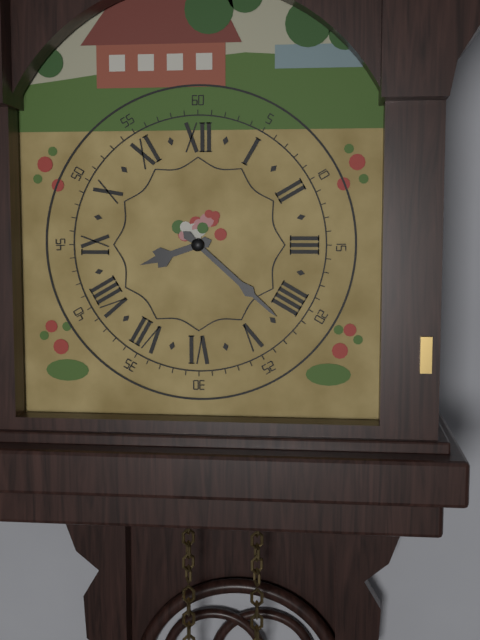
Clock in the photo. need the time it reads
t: 8:22
